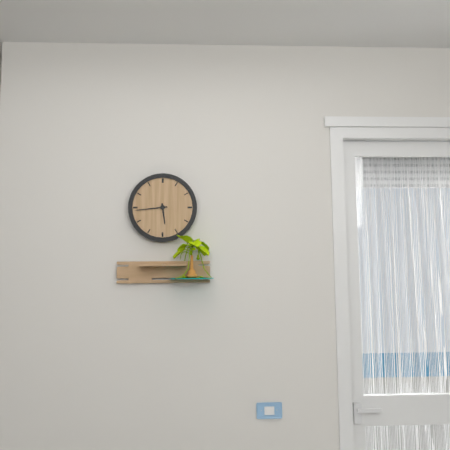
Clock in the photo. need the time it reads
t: 5:44
